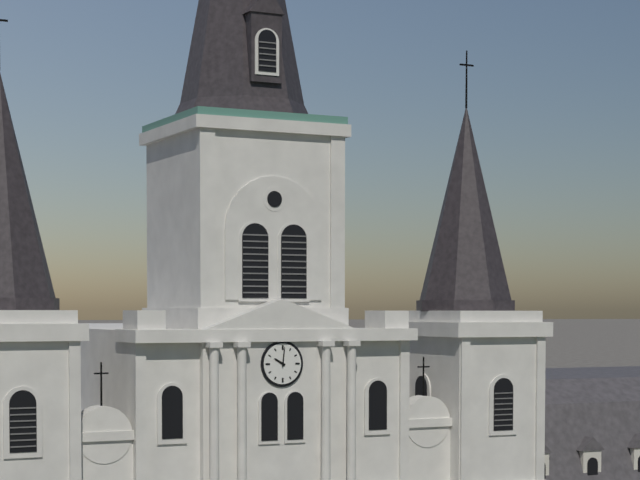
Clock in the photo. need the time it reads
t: 10:01
